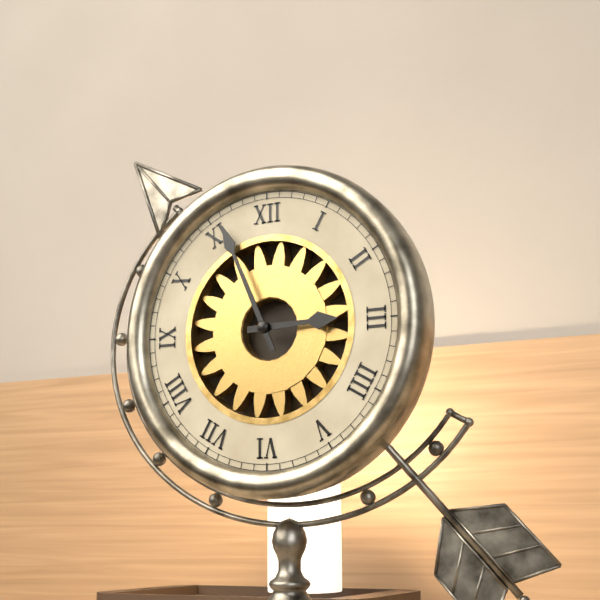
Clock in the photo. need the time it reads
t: 2:56
